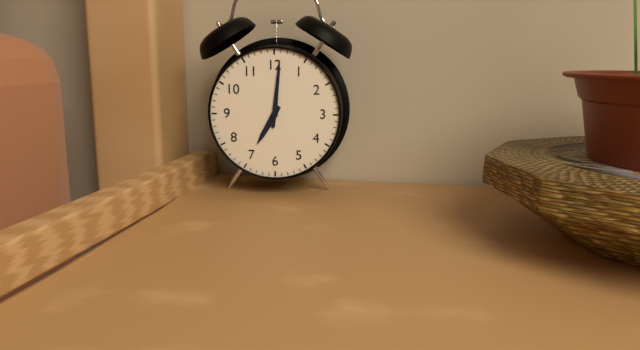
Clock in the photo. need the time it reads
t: 7:01
